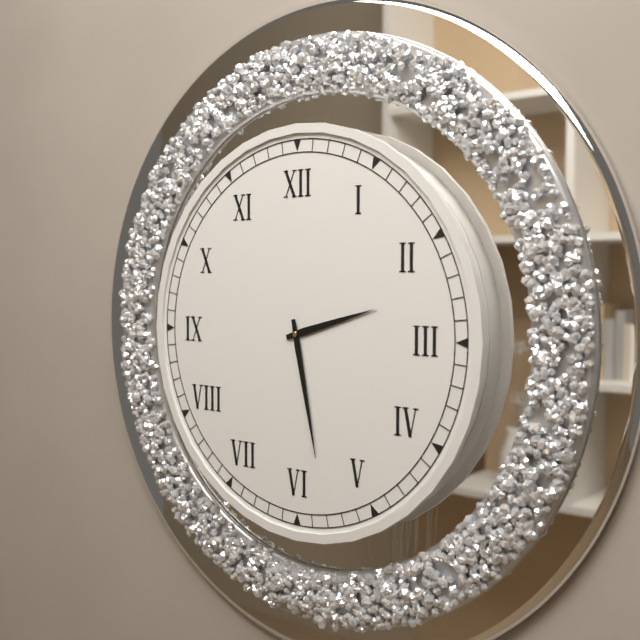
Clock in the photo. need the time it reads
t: 2:28
